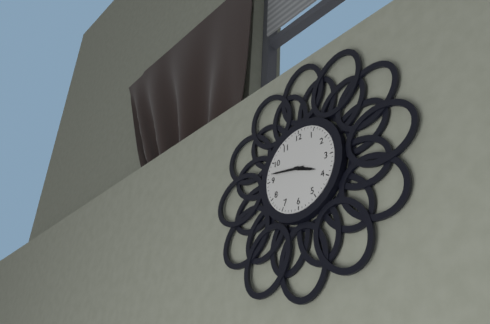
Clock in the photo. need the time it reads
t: 3:47
